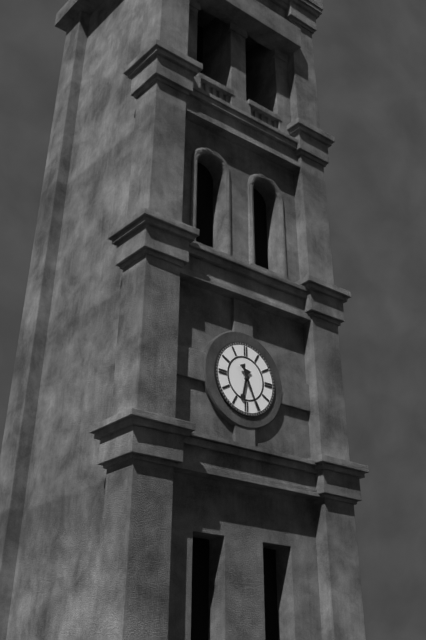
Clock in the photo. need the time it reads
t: 6:26
